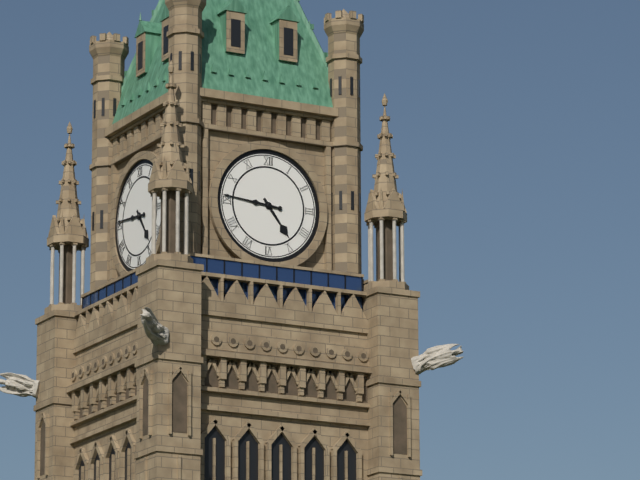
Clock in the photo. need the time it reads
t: 4:46
